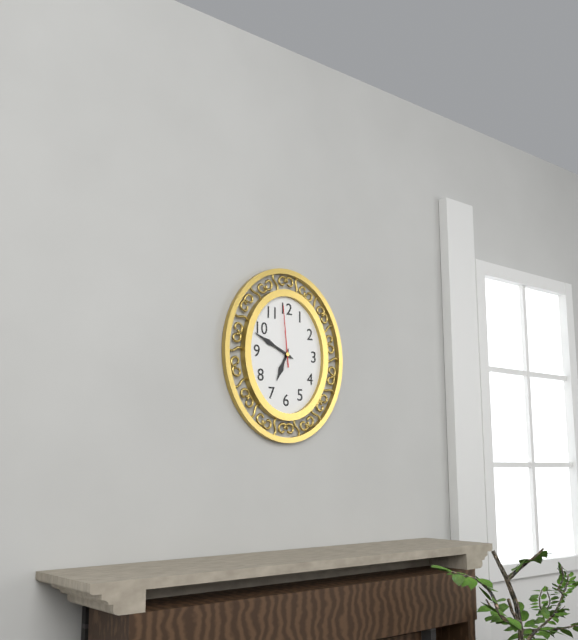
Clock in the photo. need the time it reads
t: 6:49:59
